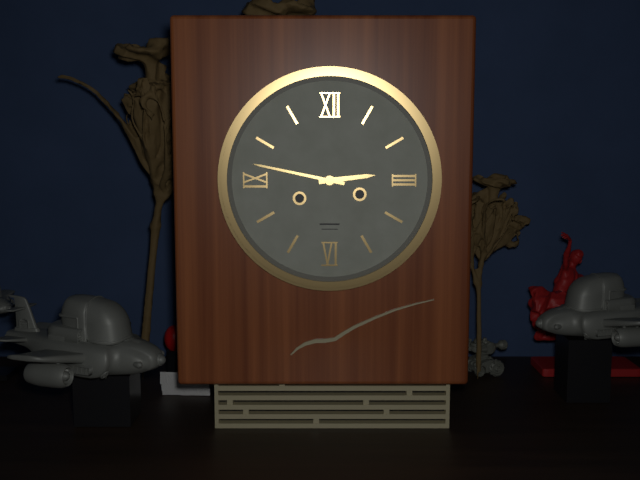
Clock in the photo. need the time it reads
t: 2:47
